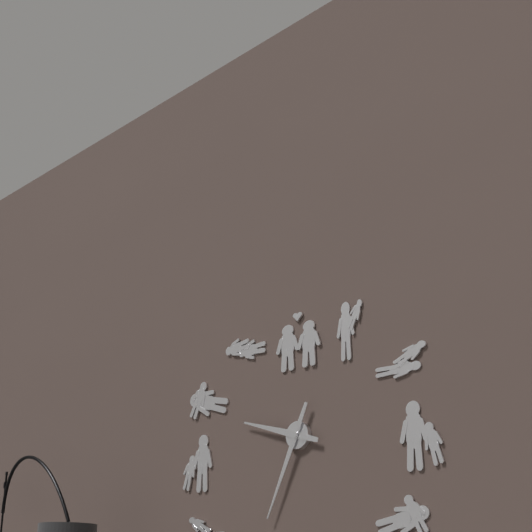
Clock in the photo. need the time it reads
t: 9:34
